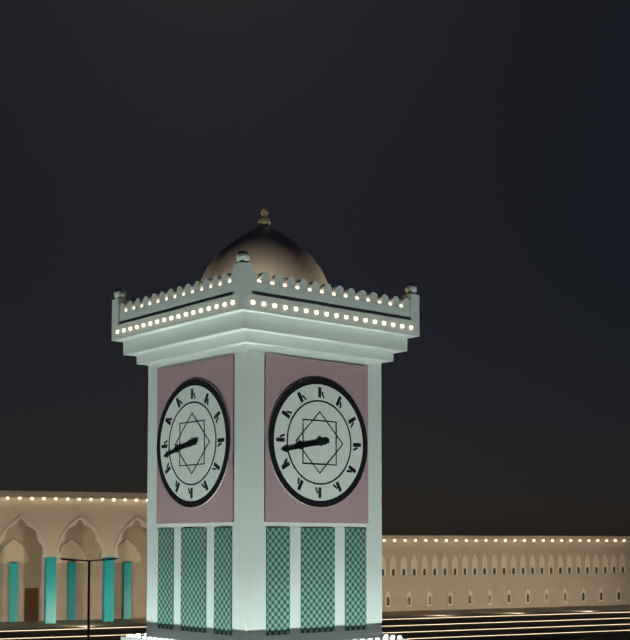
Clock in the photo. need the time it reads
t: 8:43
